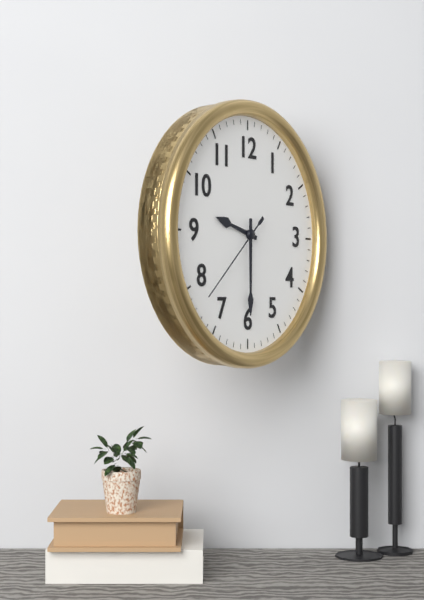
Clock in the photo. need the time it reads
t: 9:30:38
